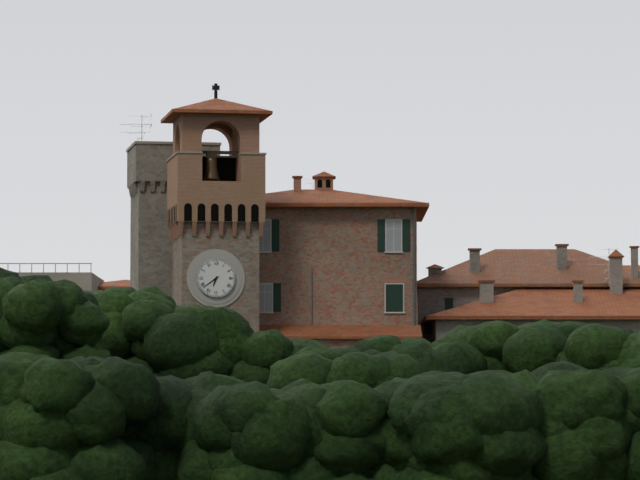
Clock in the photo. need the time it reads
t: 6:39
